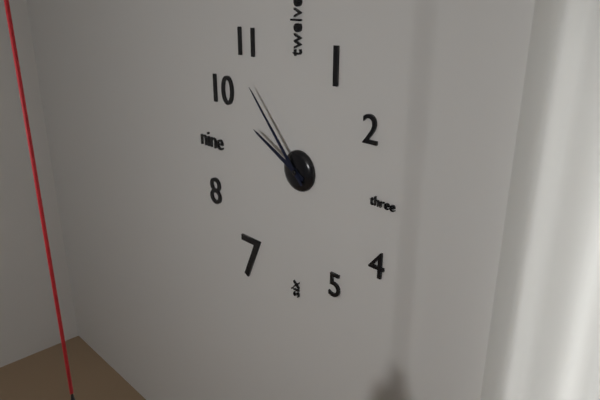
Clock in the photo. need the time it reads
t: 9:53
